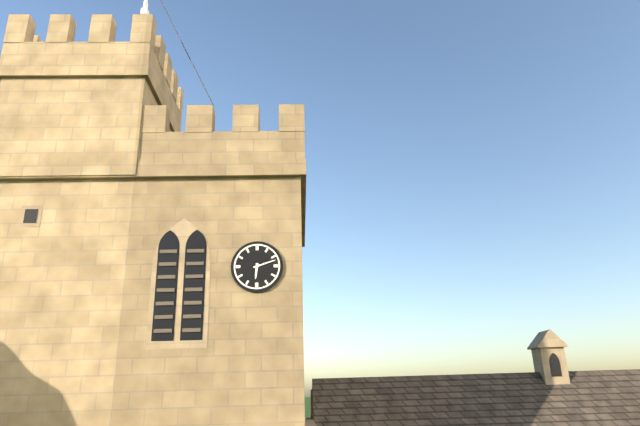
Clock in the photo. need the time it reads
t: 6:12
